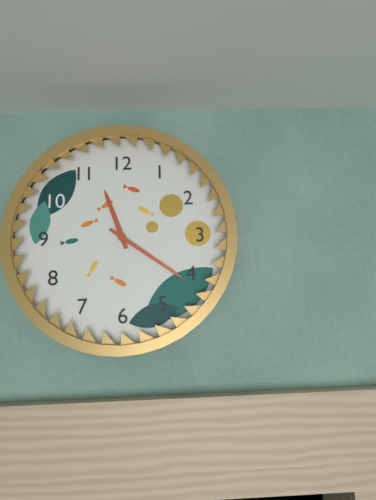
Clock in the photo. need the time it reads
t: 11:21
